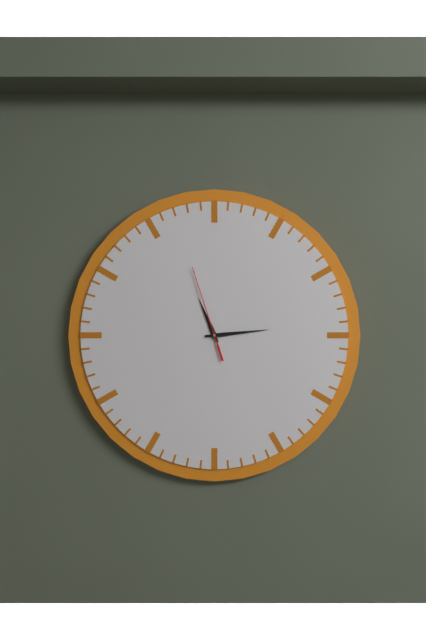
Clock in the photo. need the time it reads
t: 11:14:57
